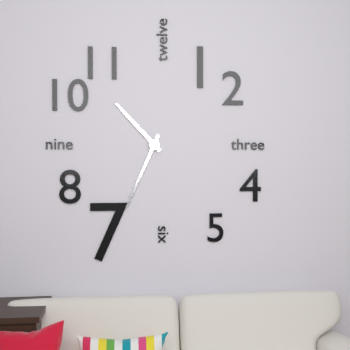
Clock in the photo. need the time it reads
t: 10:34
